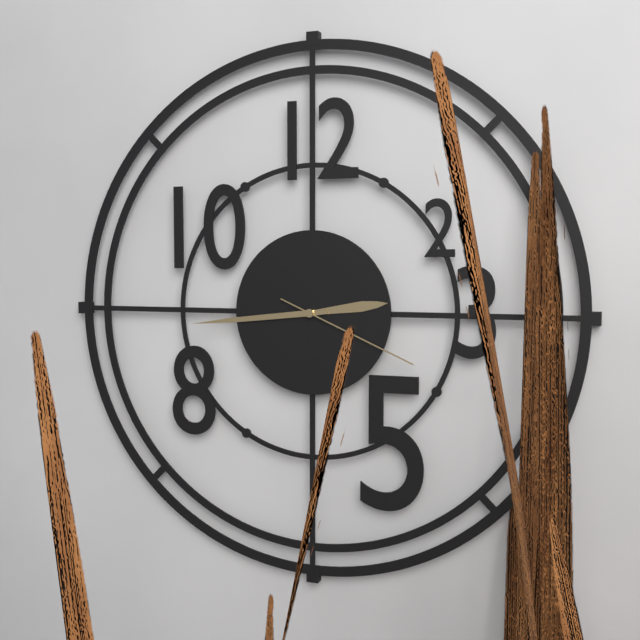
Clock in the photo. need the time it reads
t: 2:44:19
